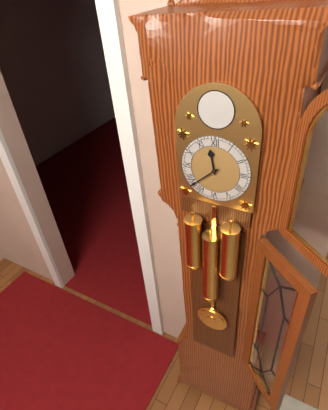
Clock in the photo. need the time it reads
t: 11:38
